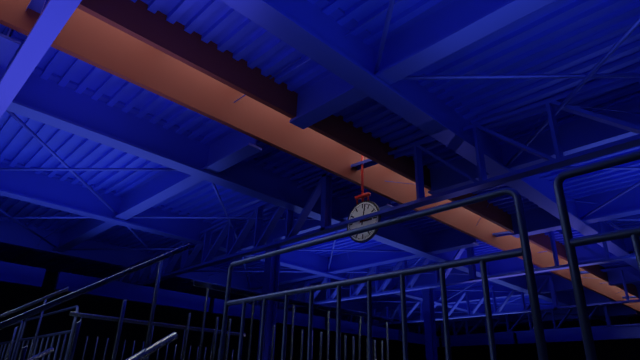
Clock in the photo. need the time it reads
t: 3:02
